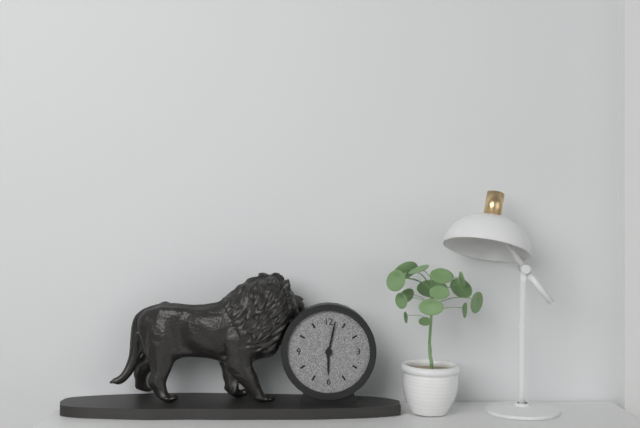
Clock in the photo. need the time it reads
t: 6:02
